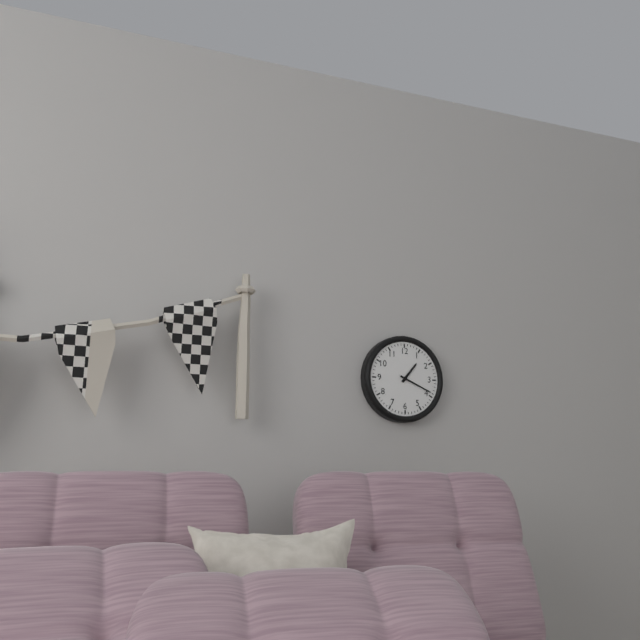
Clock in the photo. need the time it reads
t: 1:19
